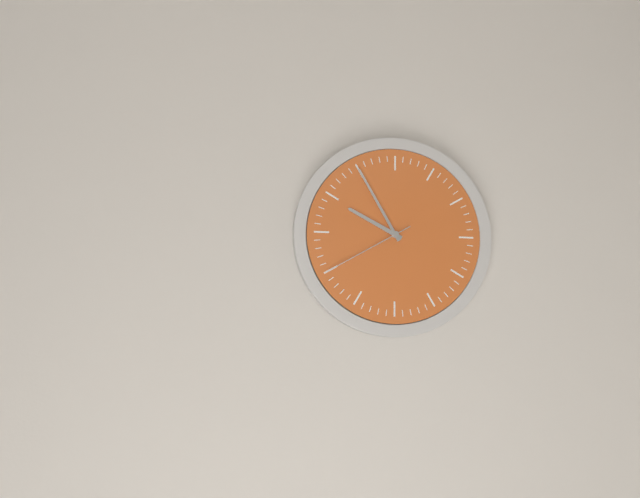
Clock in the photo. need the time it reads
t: 9:55:40
